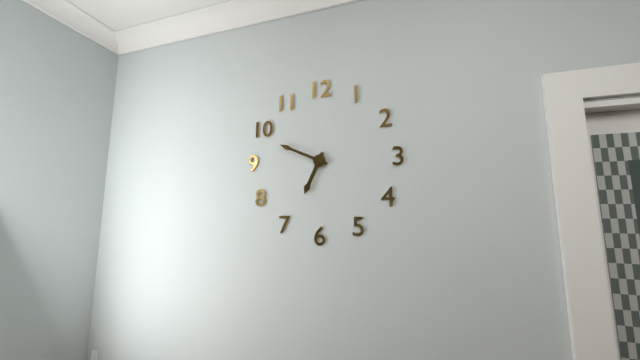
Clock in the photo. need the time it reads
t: 6:49
